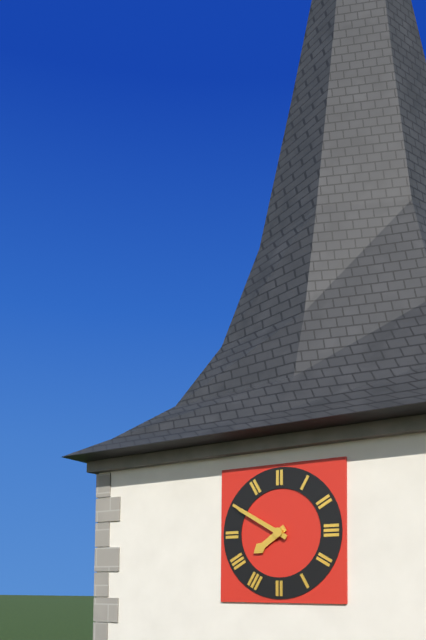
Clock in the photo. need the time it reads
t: 7:50
